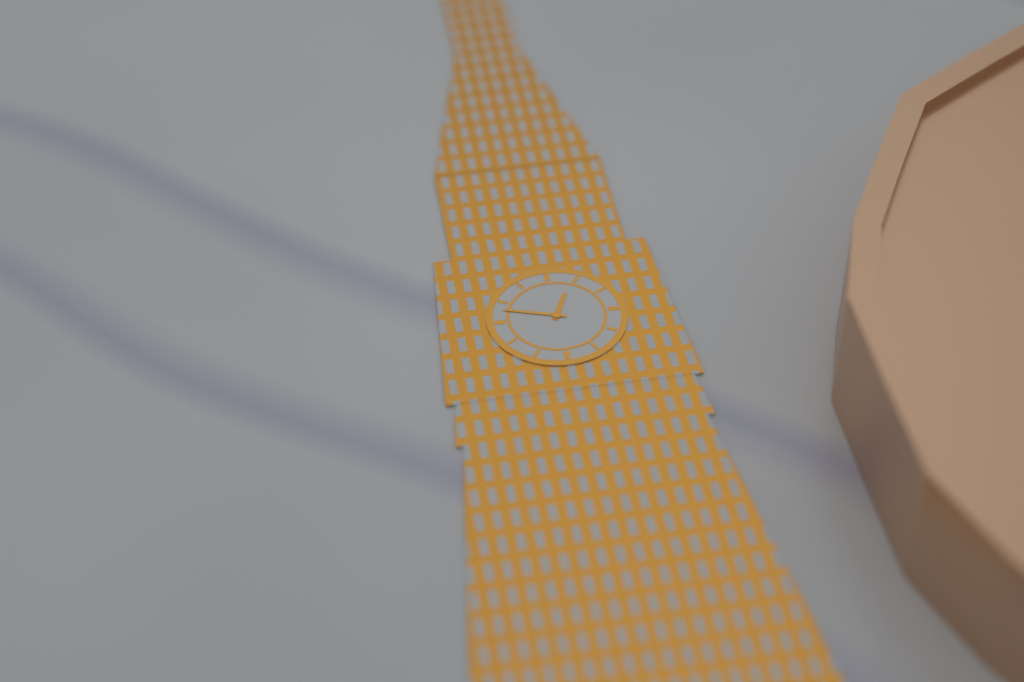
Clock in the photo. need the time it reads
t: 12:48
